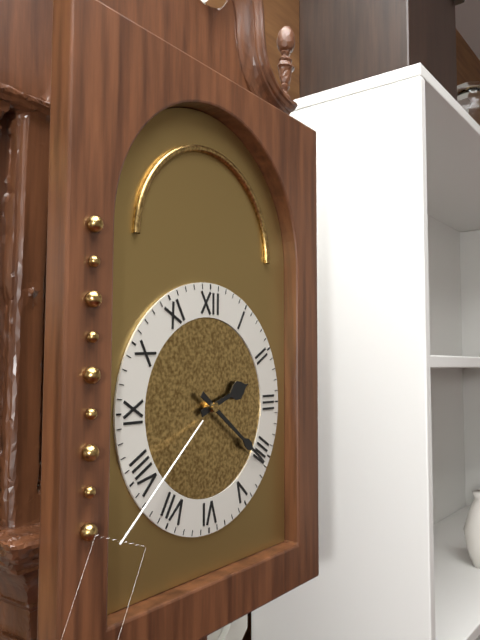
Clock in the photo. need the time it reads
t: 2:21
